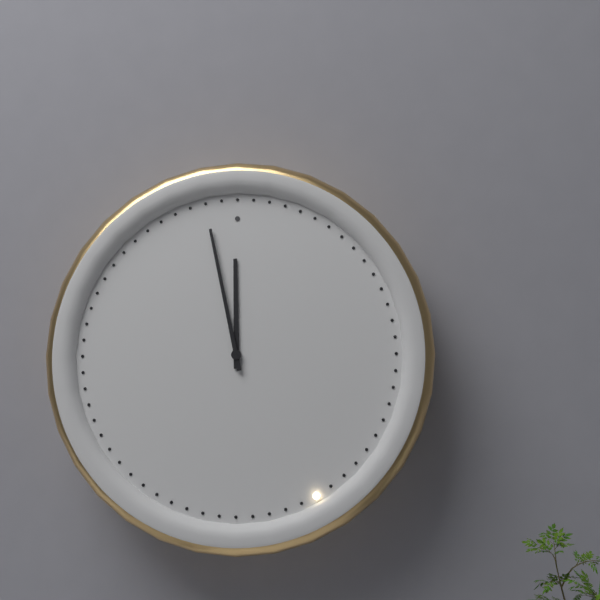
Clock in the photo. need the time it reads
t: 11:58
